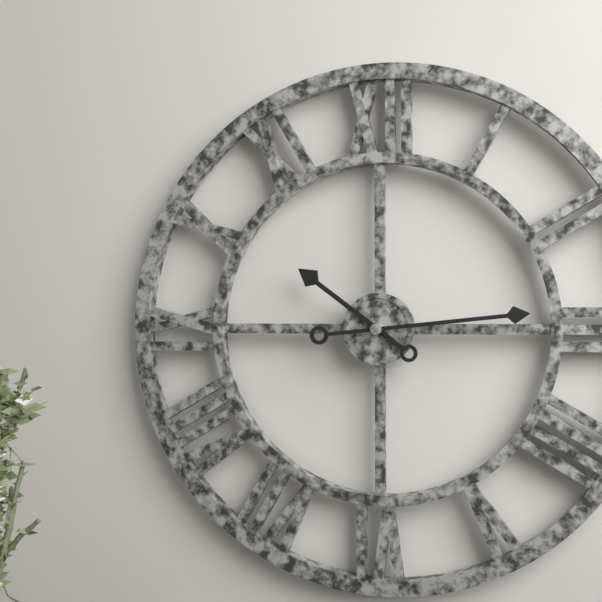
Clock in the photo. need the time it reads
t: 10:14
